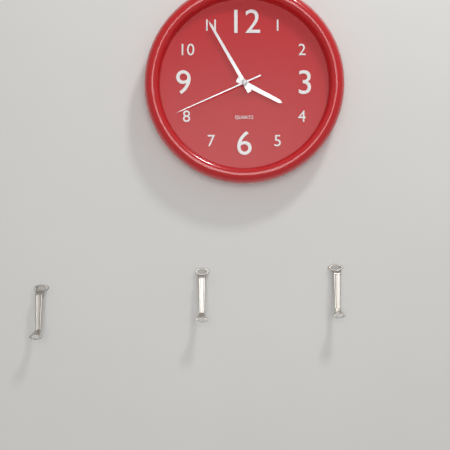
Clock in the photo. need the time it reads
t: 3:55:41
